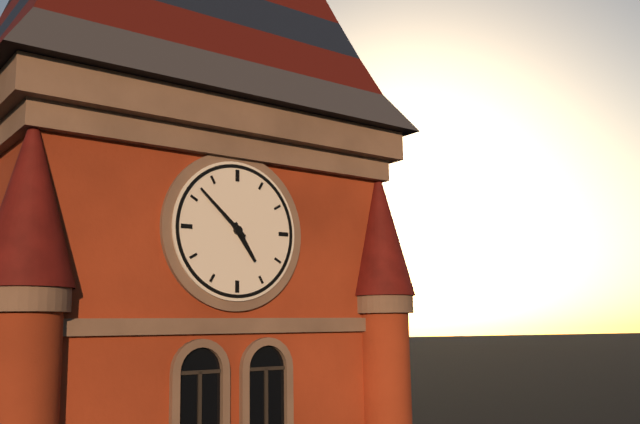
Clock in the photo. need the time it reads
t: 4:52
